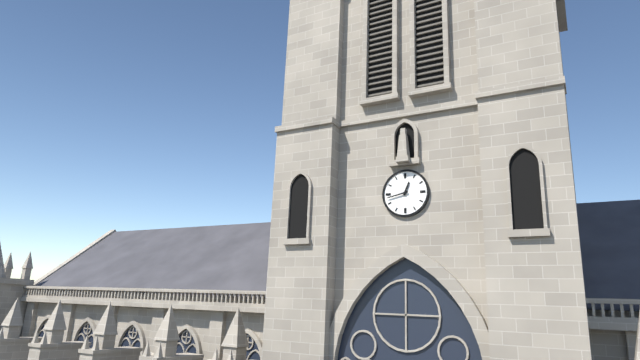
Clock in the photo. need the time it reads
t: 12:43
